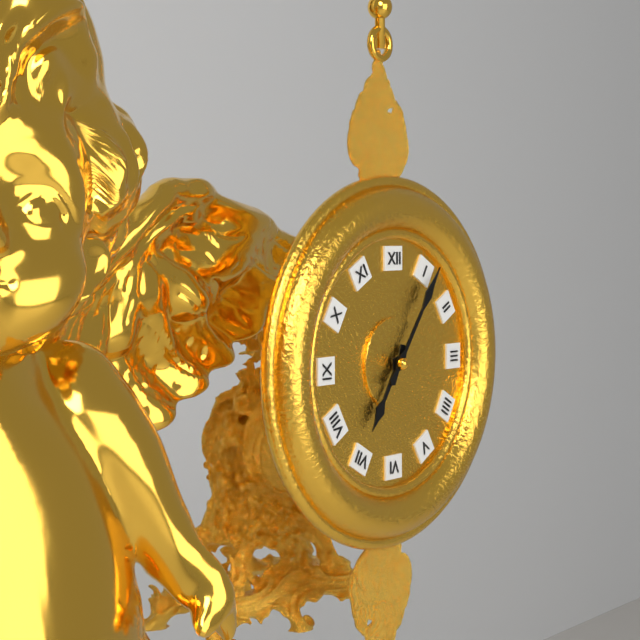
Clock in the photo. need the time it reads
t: 7:06
